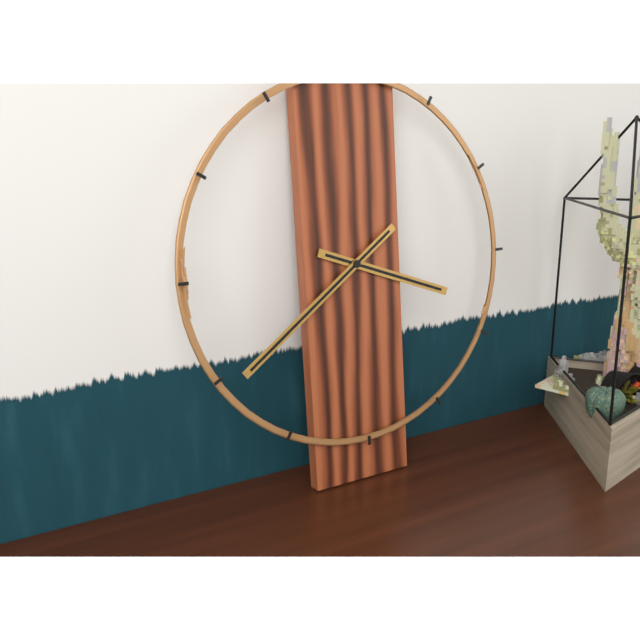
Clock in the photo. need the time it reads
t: 3:39
